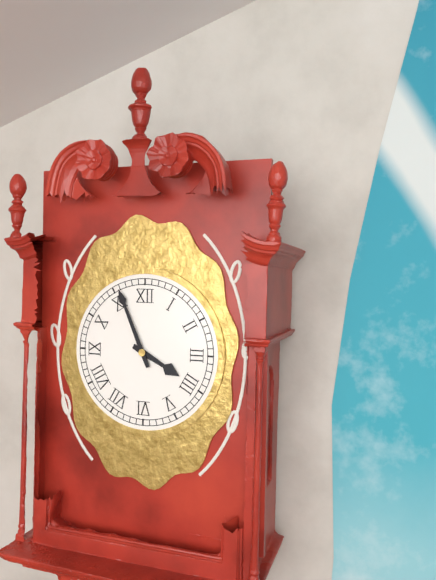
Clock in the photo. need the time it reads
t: 3:56
